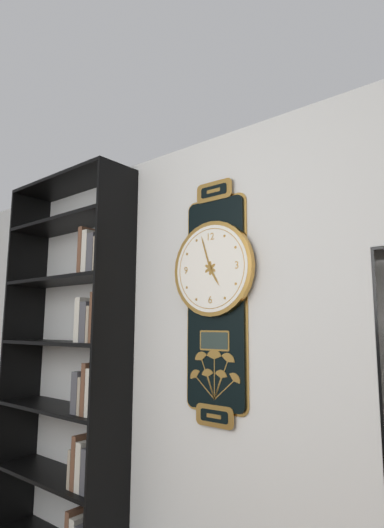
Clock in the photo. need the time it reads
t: 4:57
